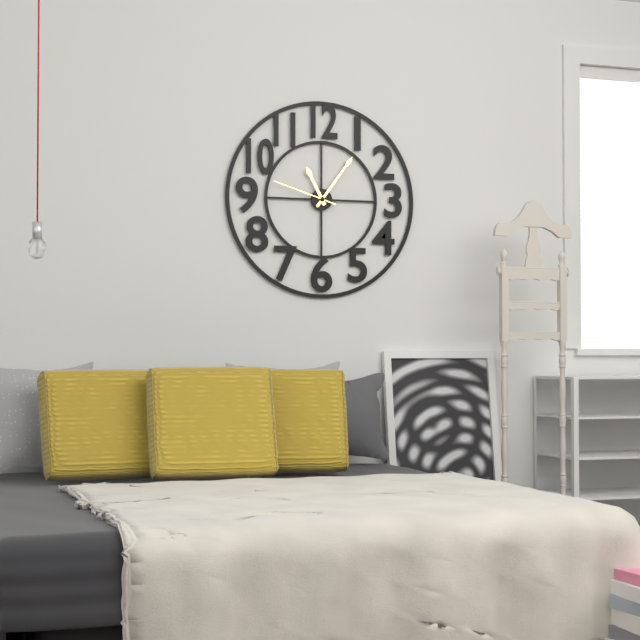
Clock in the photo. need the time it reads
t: 11:06:48
